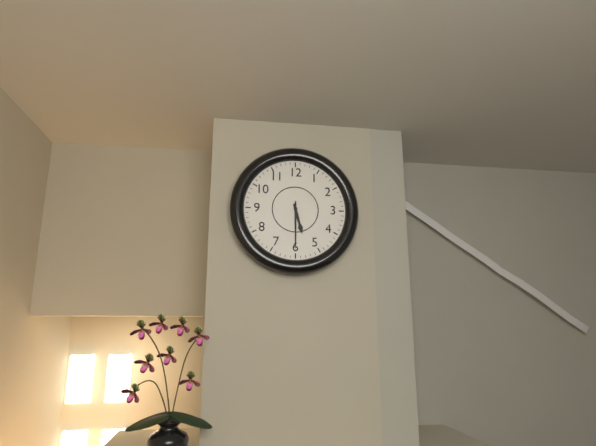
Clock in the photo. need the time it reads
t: 5:30
